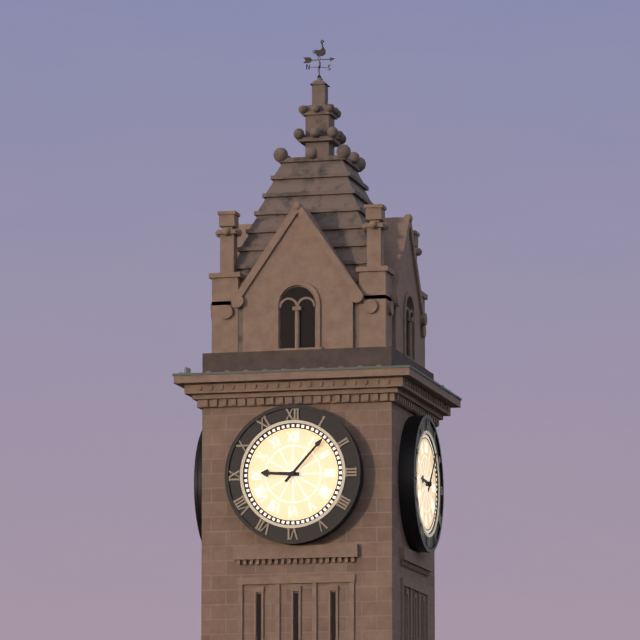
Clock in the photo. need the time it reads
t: 9:07
